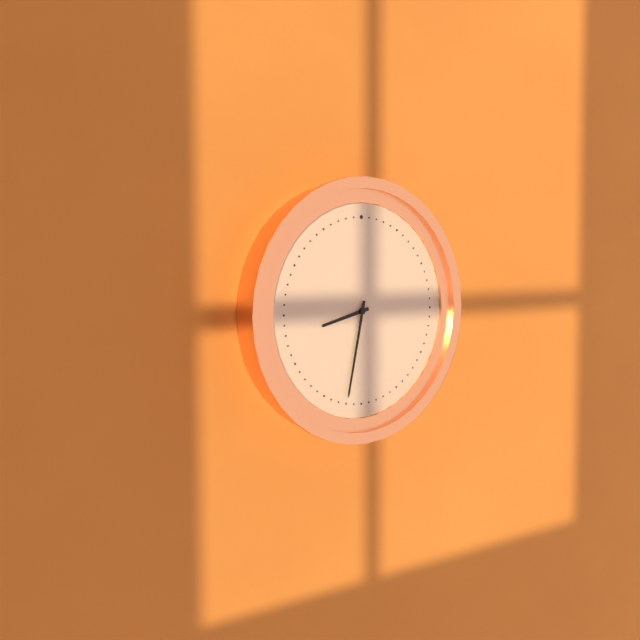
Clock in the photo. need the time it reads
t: 8:32
